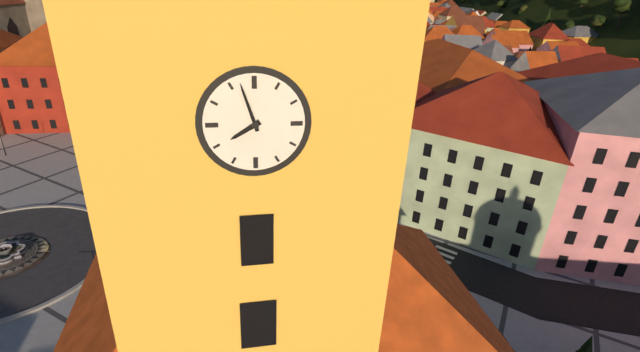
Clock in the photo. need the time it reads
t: 7:57
